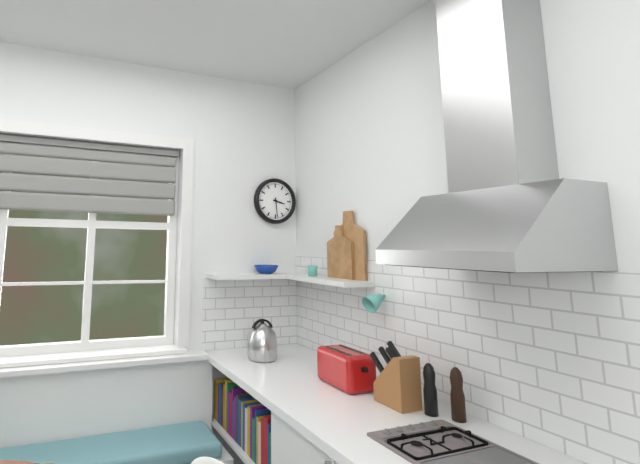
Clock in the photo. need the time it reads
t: 3:29
